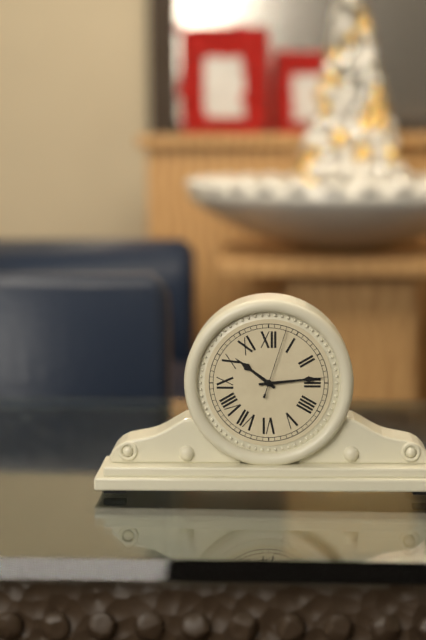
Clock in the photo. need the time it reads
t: 10:14:03
